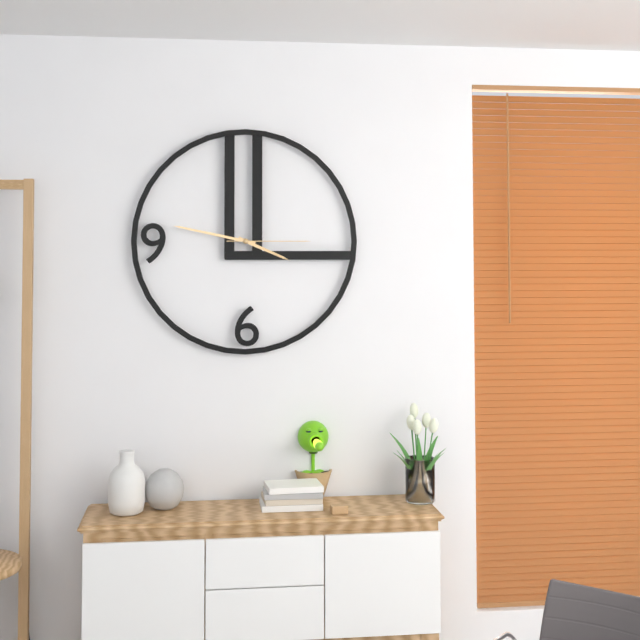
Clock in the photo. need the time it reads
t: 3:47:15
